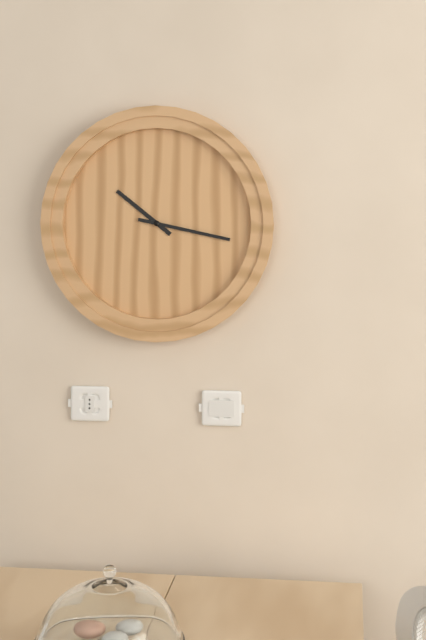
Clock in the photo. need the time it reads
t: 10:17
